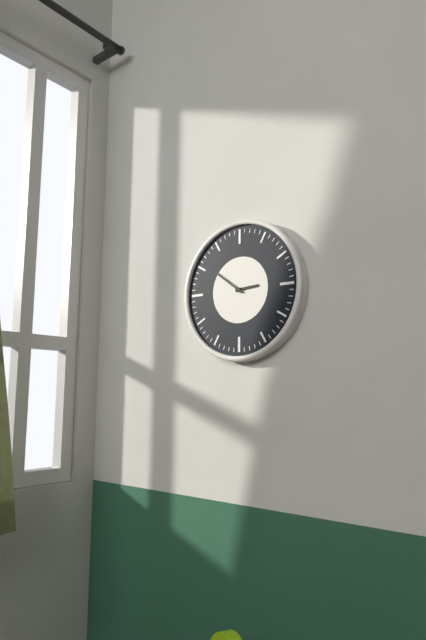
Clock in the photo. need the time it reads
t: 2:51
